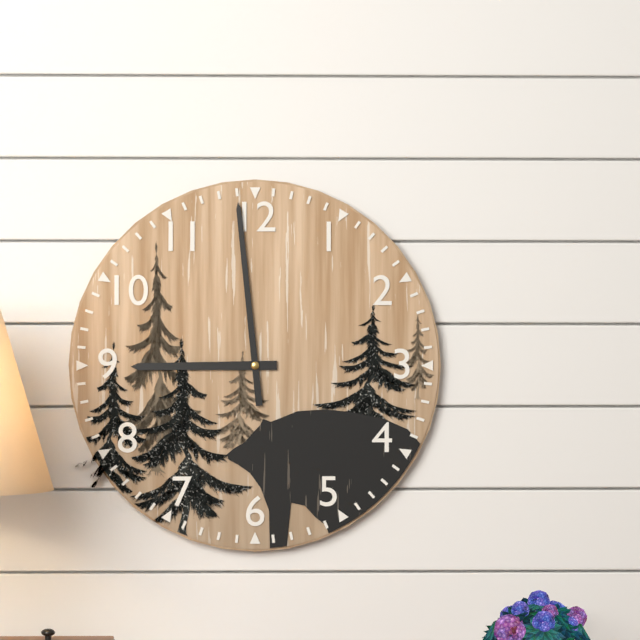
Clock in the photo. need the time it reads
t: 8:59
